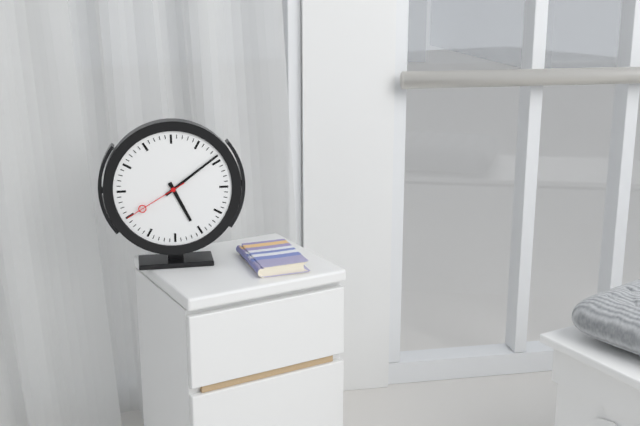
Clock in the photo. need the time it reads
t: 5:09:40
